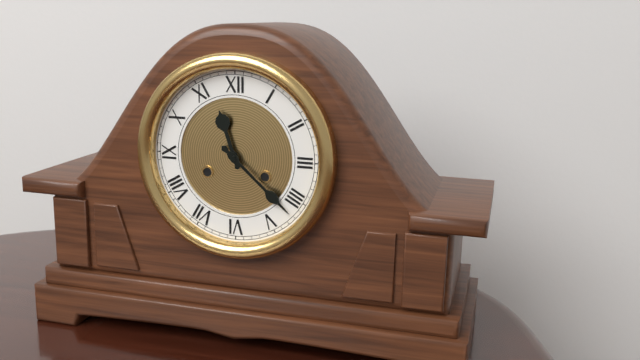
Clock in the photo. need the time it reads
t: 11:22
